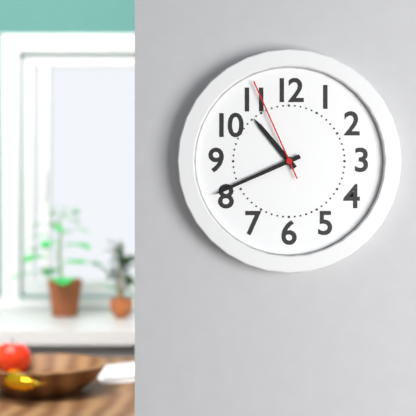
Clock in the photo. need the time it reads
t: 10:41:56
